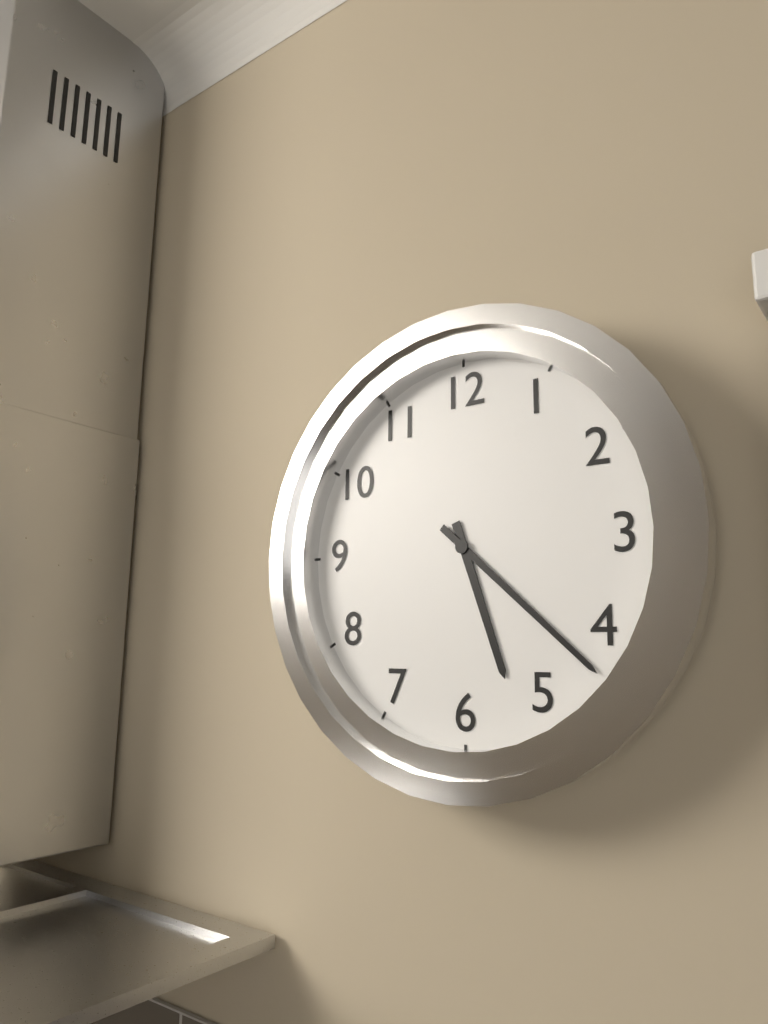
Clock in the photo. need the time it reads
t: 5:22
